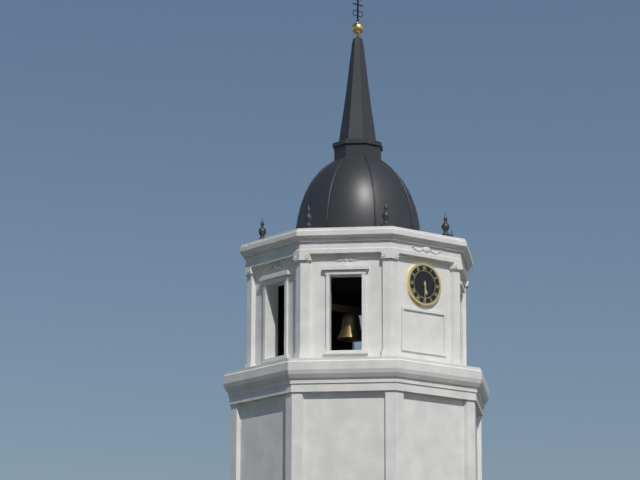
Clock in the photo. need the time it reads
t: 5:30
